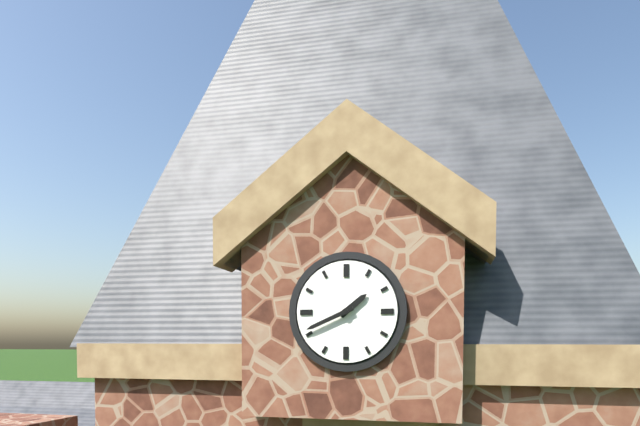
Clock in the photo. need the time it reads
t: 1:41
